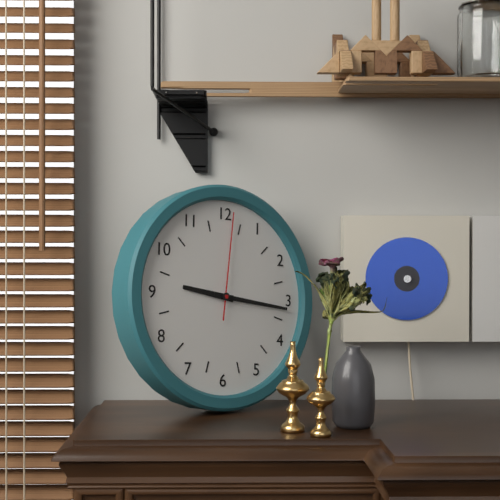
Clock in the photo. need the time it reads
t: 9:16:01
